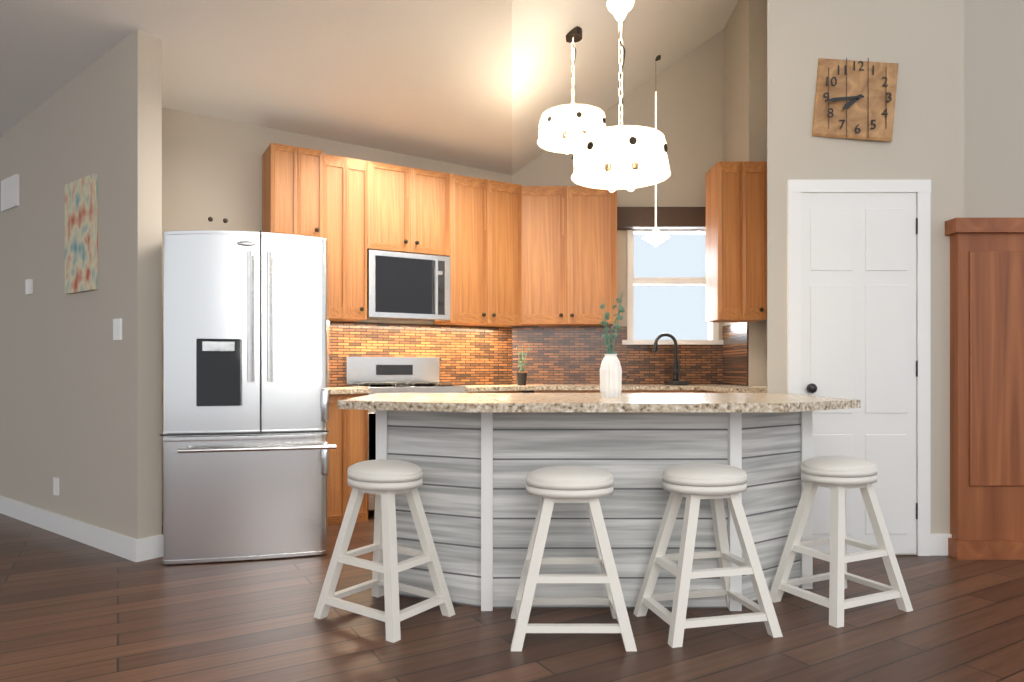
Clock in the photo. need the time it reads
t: 7:44
